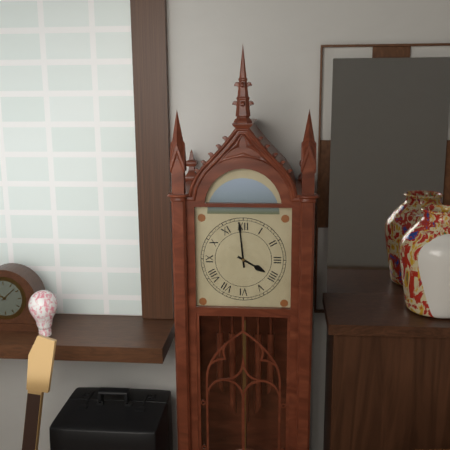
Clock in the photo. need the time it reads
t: 3:59
